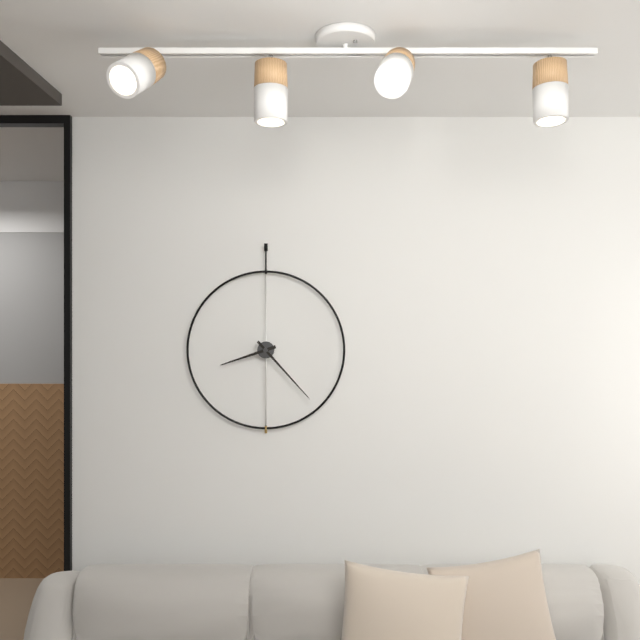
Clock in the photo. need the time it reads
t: 8:23
